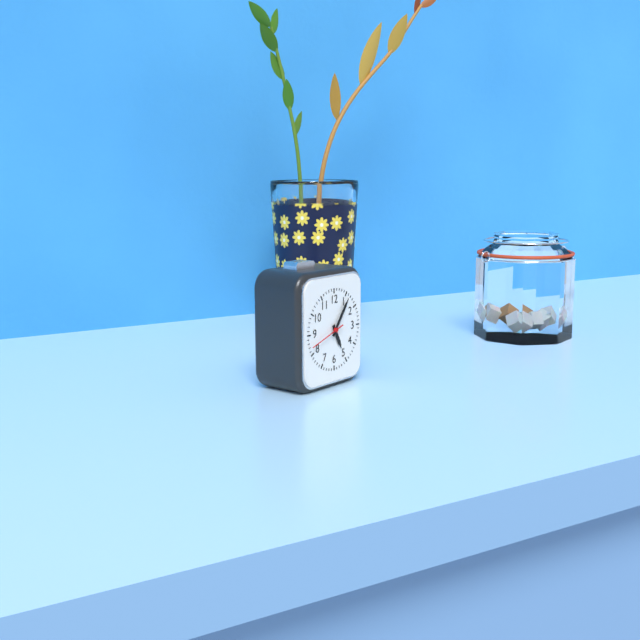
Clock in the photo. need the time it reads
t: 5:06
